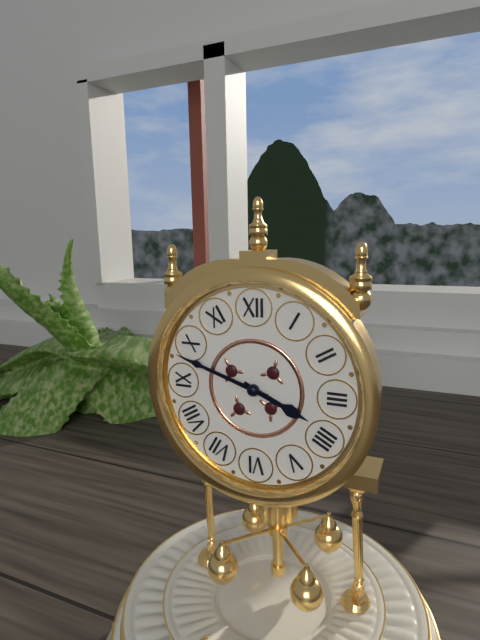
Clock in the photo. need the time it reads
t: 3:48
